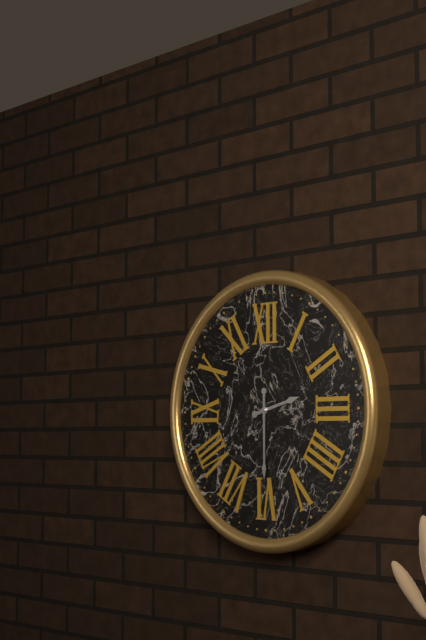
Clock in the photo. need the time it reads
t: 2:30
